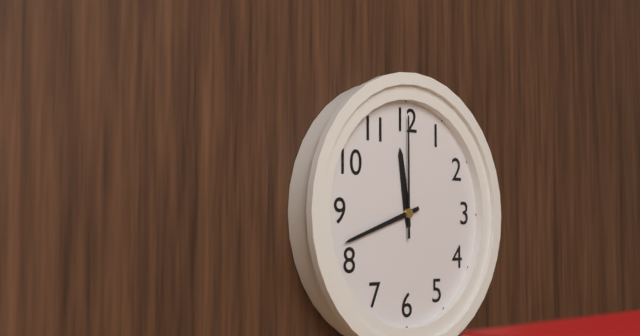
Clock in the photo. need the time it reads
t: 11:42:00
